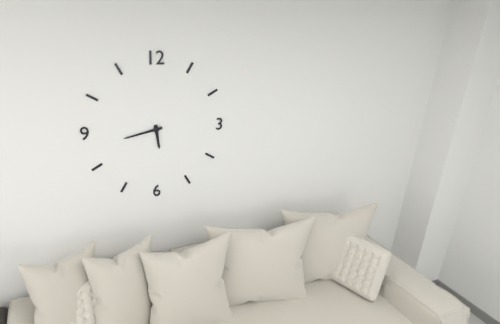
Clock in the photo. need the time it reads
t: 5:43
